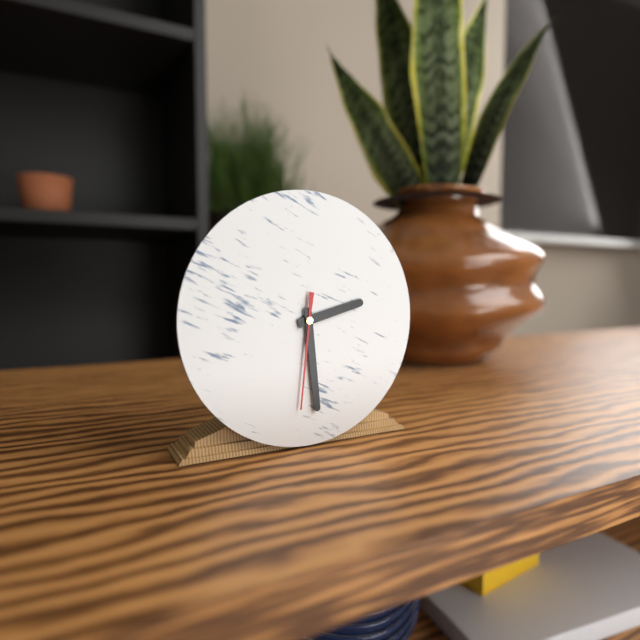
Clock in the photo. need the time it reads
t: 2:29:31
